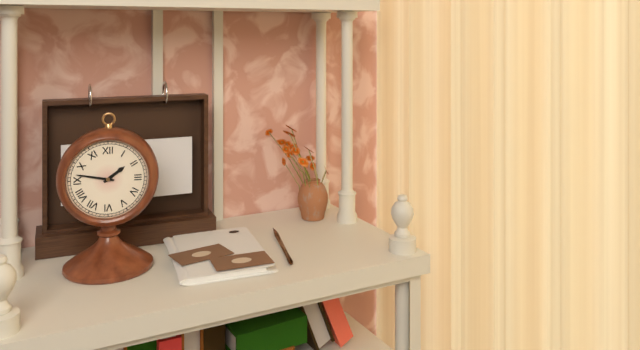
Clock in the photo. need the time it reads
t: 1:47
